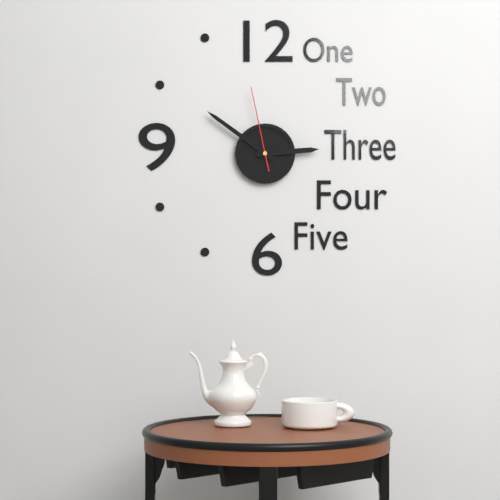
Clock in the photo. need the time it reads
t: 2:51:58
